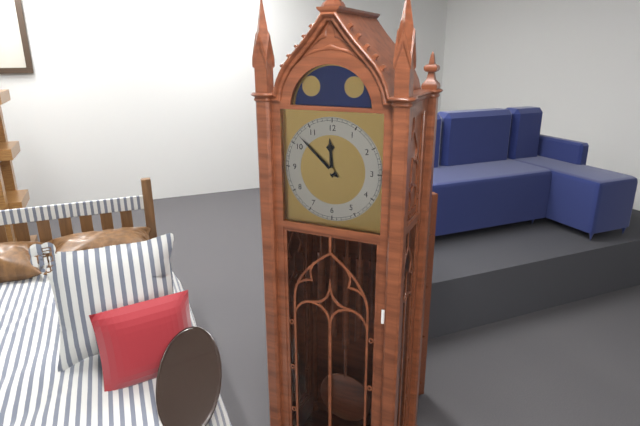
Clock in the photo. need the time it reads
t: 11:52
